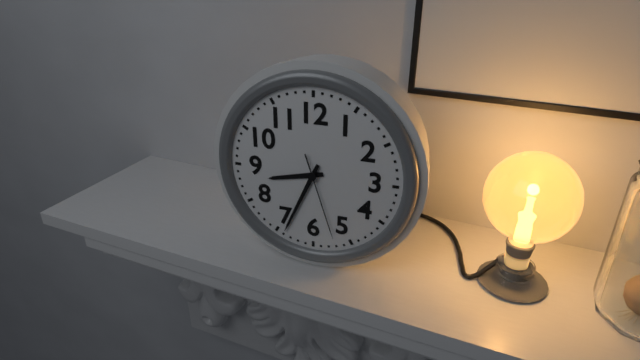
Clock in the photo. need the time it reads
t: 8:34:27
